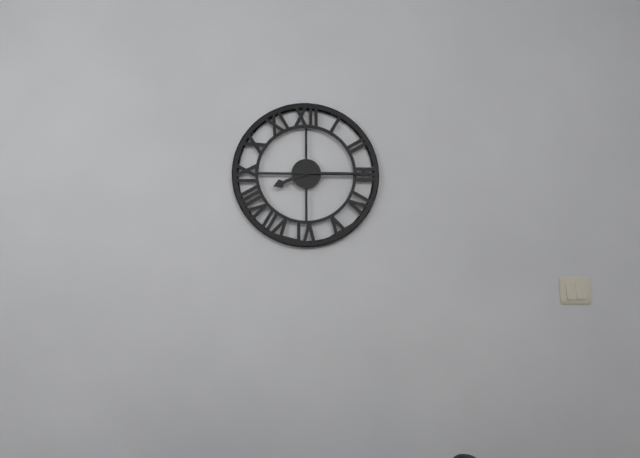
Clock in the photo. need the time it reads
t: 8:15
